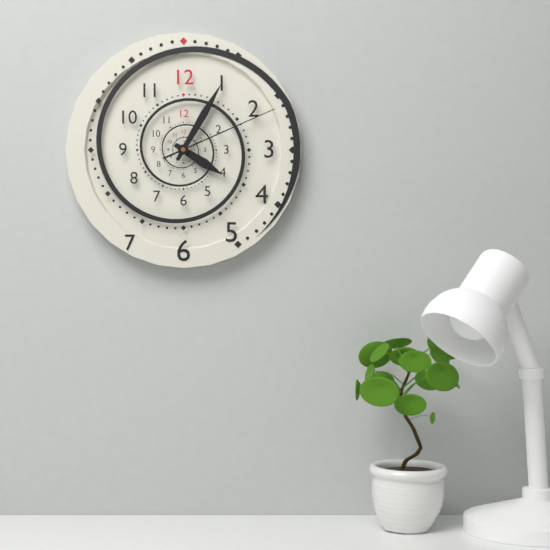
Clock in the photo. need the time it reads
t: 4:05:11
